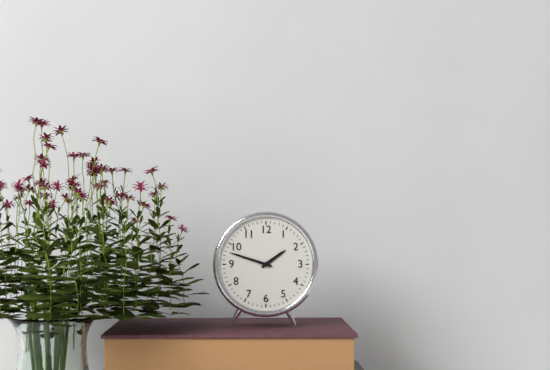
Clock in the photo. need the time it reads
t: 1:48
